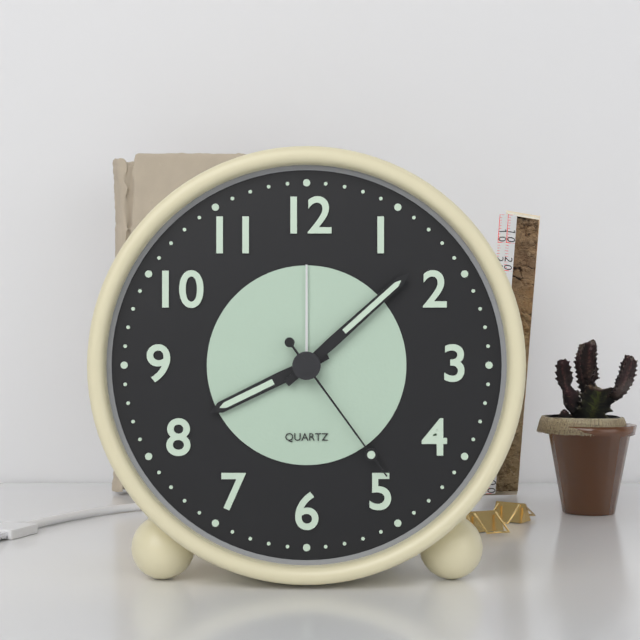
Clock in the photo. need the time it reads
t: 8:08:24
